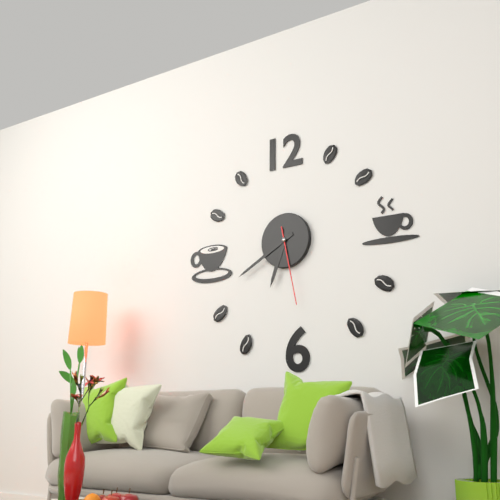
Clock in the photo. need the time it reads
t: 6:40:28
